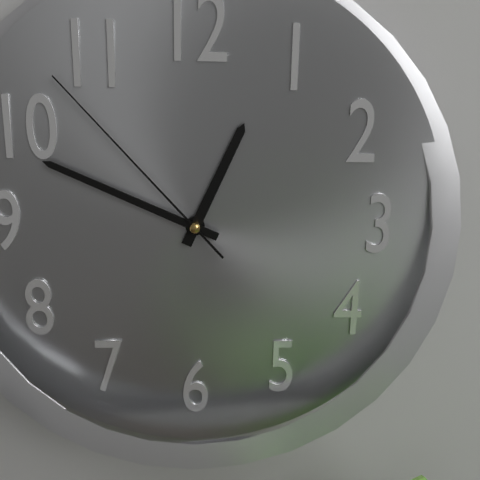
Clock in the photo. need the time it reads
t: 12:49:53
